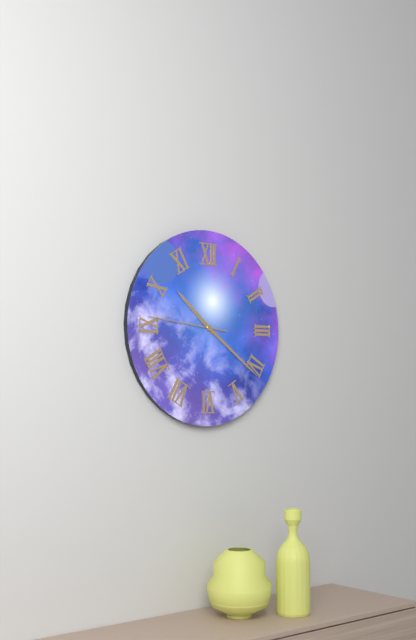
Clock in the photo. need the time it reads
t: 10:21:46
